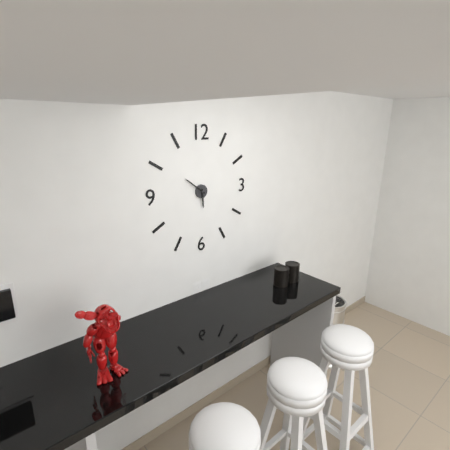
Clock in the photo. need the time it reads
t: 5:51
